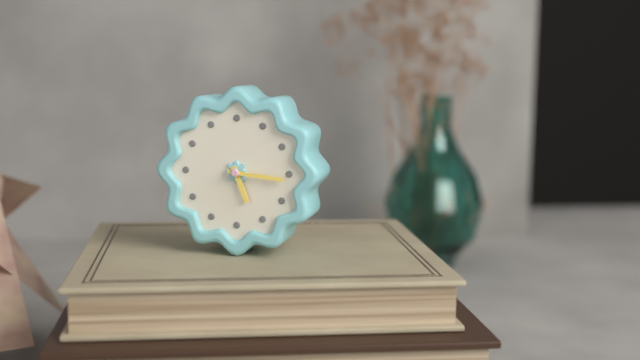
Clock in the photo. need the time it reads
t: 5:16
